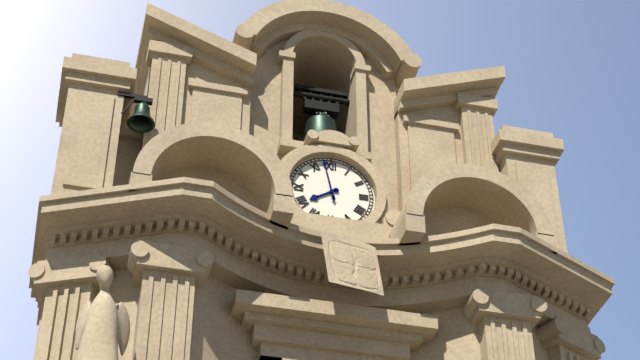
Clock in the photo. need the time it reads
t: 7:58
